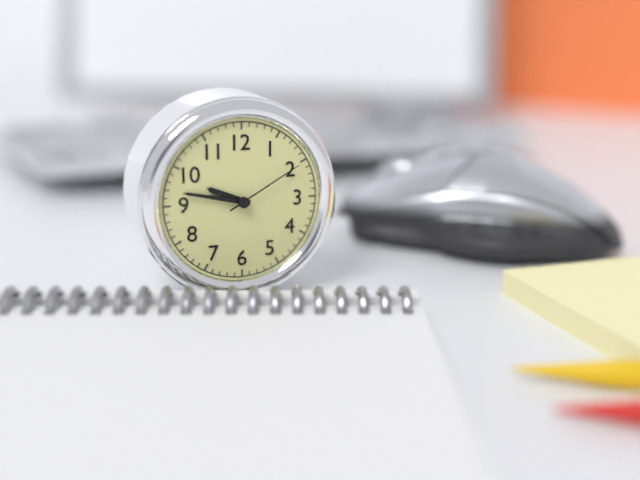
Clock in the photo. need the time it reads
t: 9:47:10
